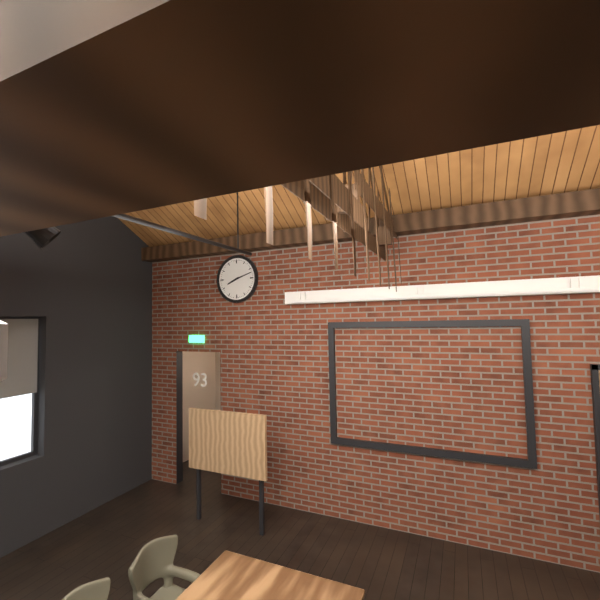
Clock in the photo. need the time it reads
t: 8:12
